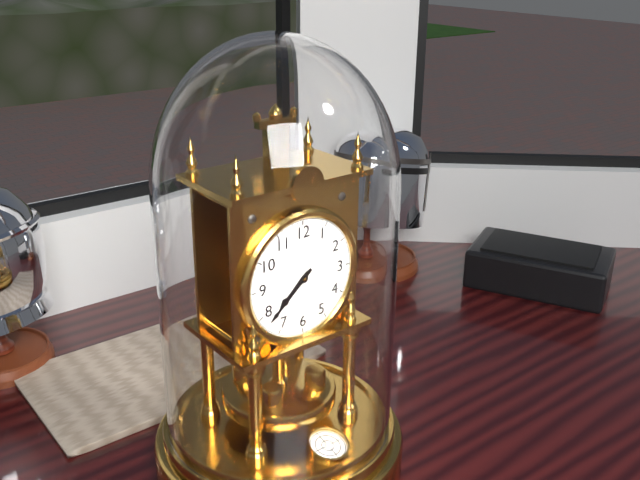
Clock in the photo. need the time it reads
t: 7:38
